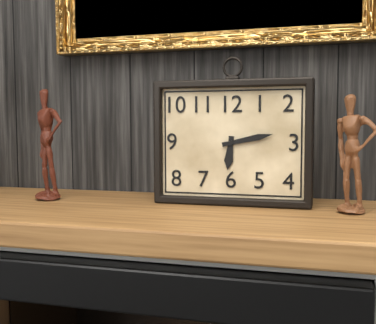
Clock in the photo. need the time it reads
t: 6:13
